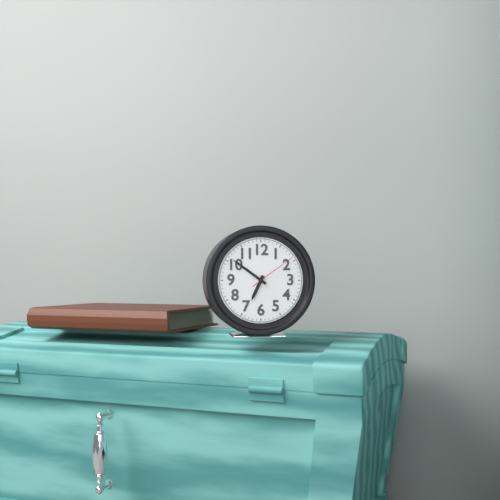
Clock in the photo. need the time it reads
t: 6:51
